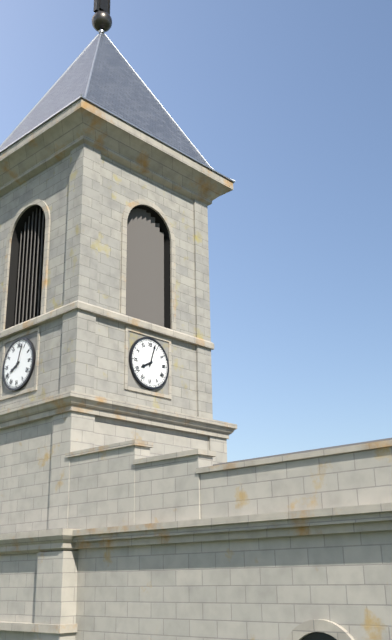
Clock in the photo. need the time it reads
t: 8:03
